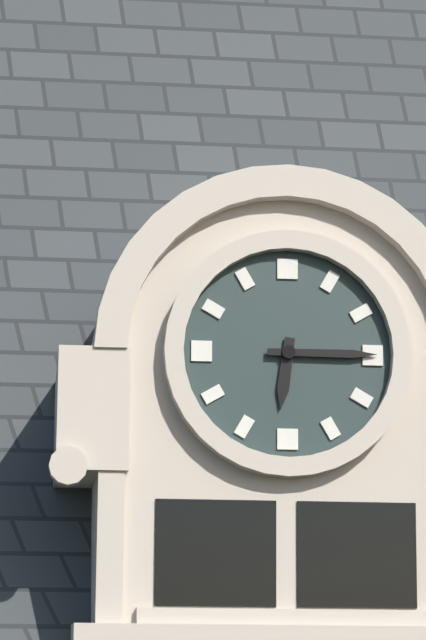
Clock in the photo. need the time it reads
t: 6:15
